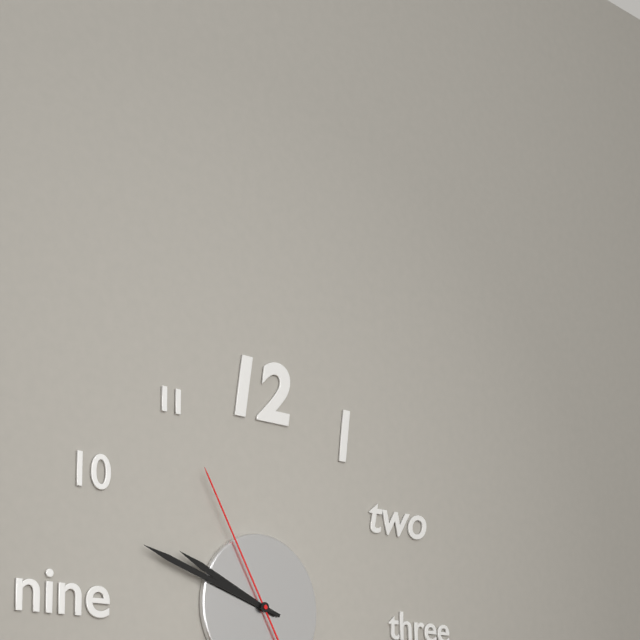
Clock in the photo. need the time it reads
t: 9:48:55
